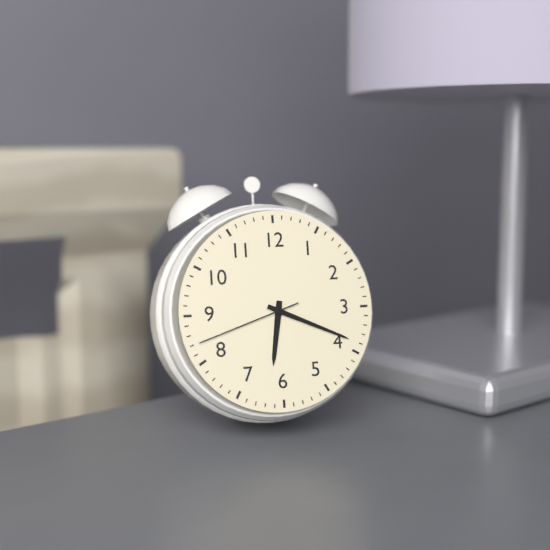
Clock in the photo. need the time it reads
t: 6:19:42
